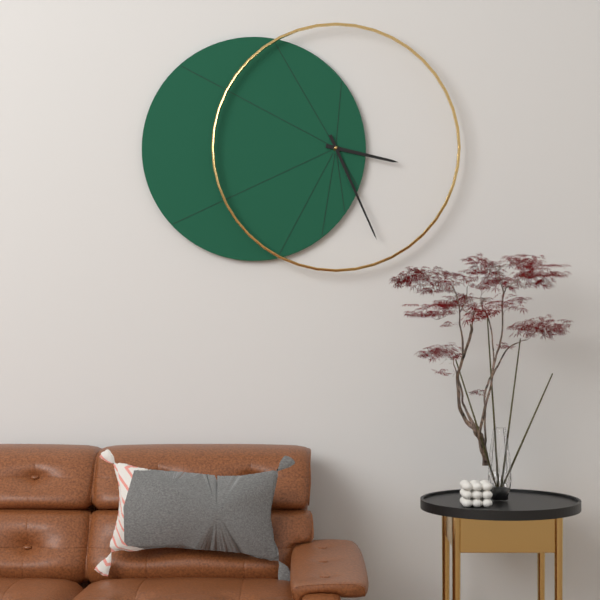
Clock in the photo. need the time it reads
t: 3:26
